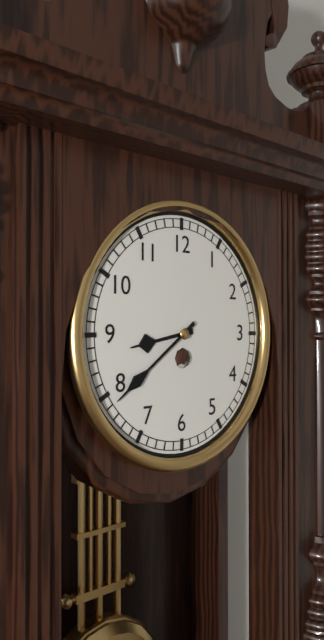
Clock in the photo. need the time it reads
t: 8:39
